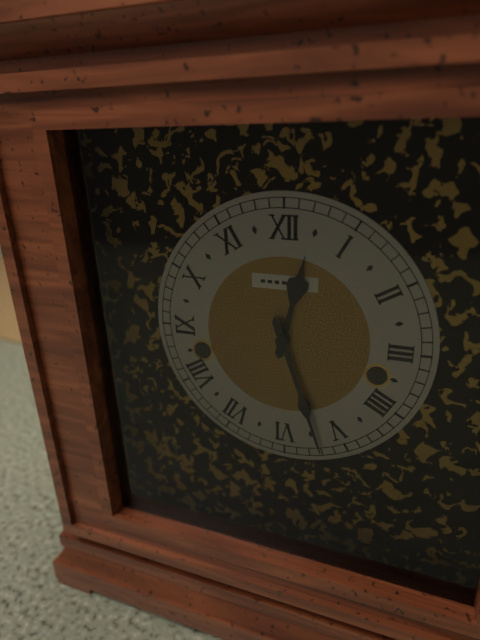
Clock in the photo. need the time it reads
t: 12:27
